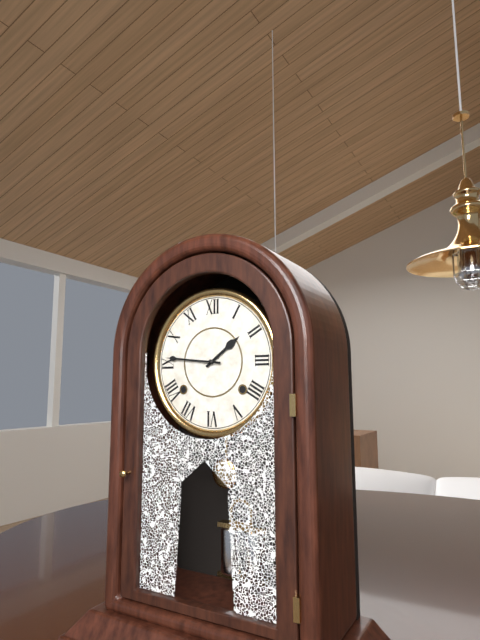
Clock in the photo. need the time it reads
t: 1:46
